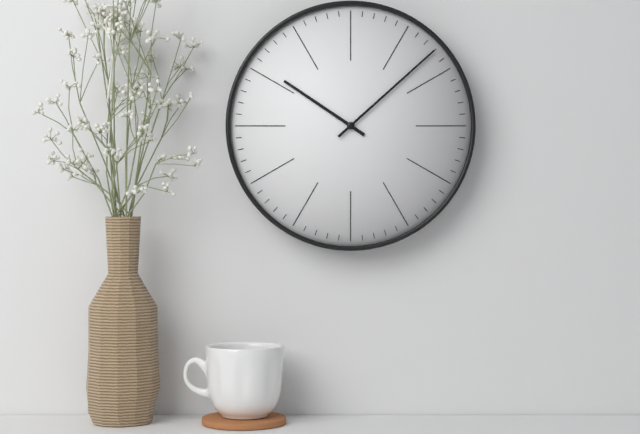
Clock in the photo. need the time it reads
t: 10:08
